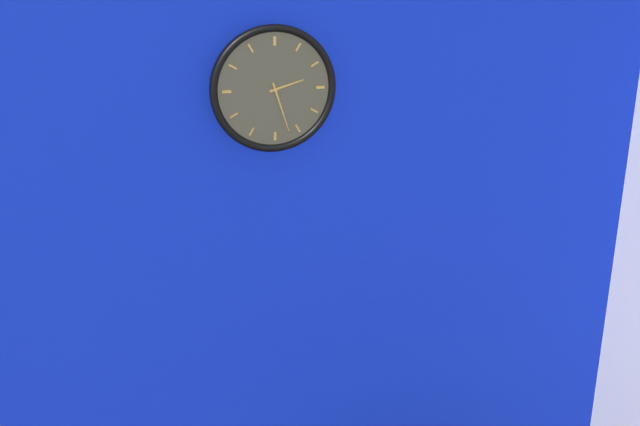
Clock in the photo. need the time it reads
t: 2:27
